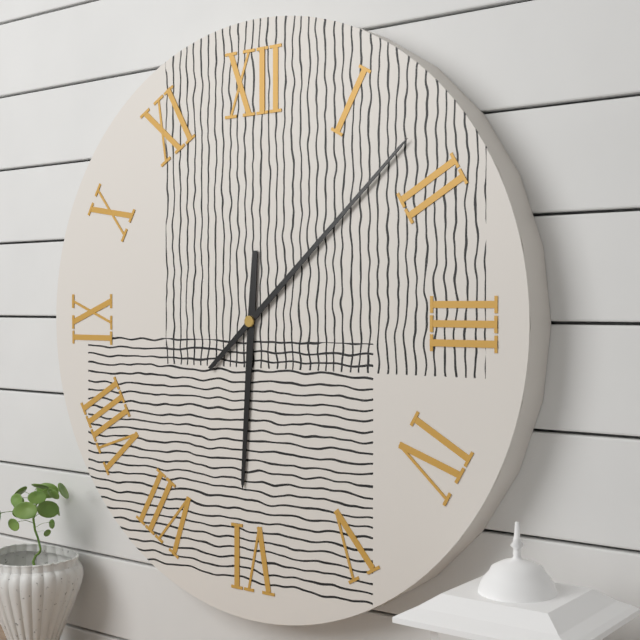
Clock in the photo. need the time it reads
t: 6:08
